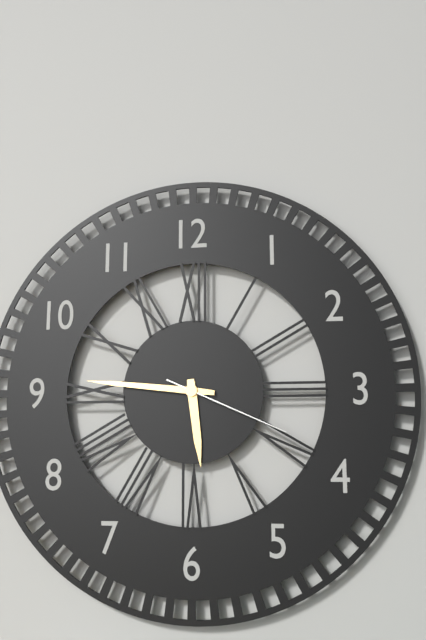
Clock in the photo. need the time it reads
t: 5:46:19
